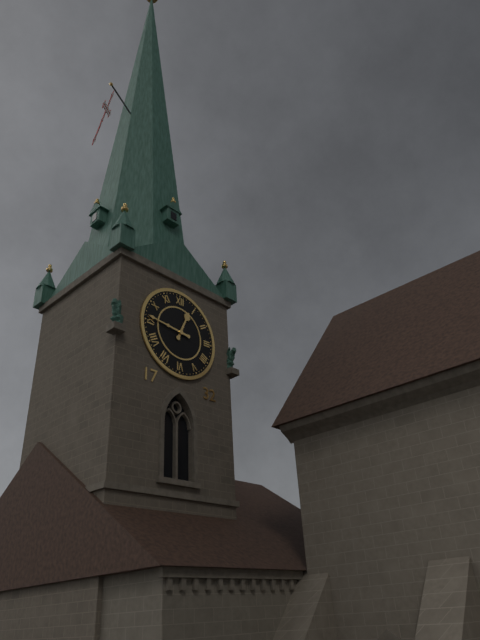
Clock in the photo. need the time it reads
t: 12:46
